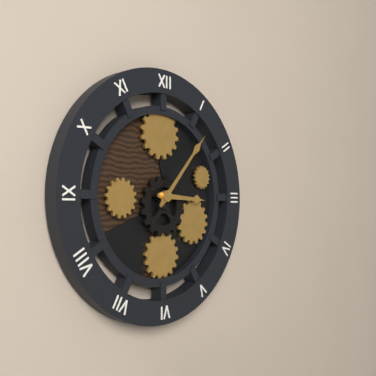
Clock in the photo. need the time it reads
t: 3:07
